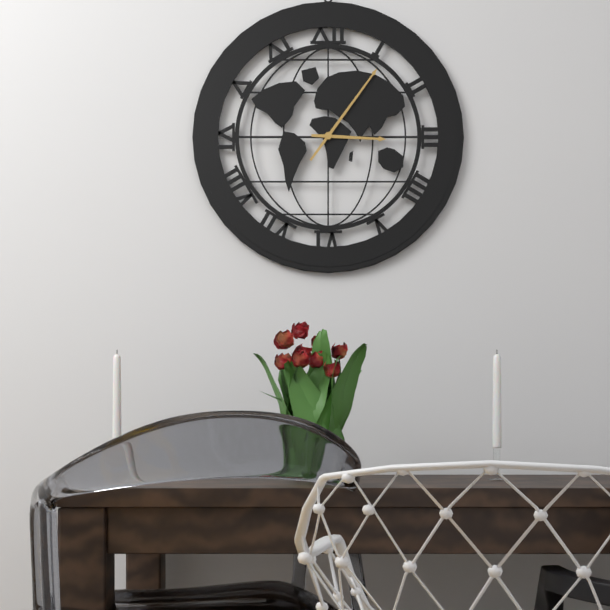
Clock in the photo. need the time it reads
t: 3:06
